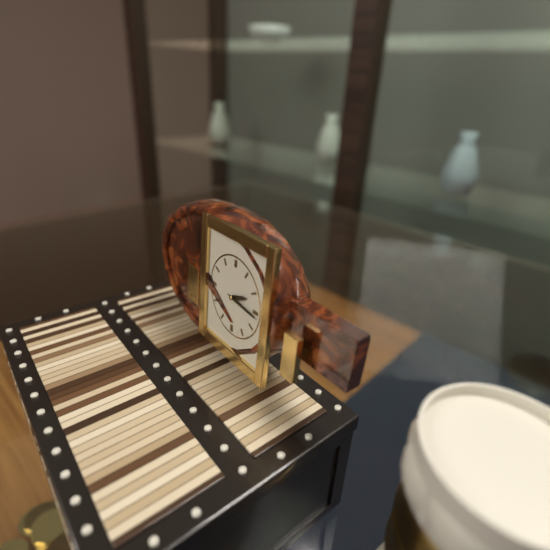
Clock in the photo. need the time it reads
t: 2:16
